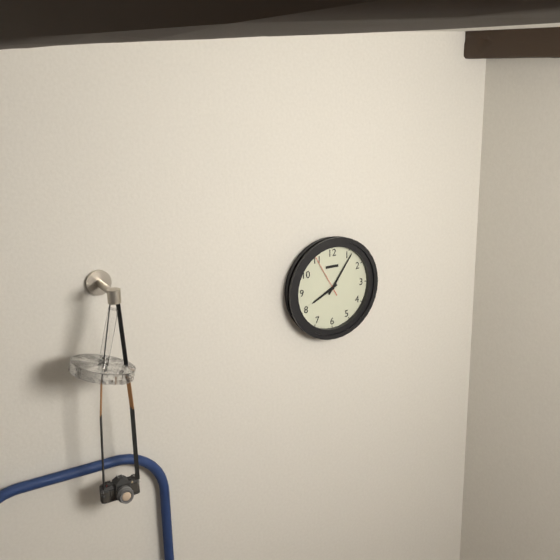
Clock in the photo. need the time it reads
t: 8:06
